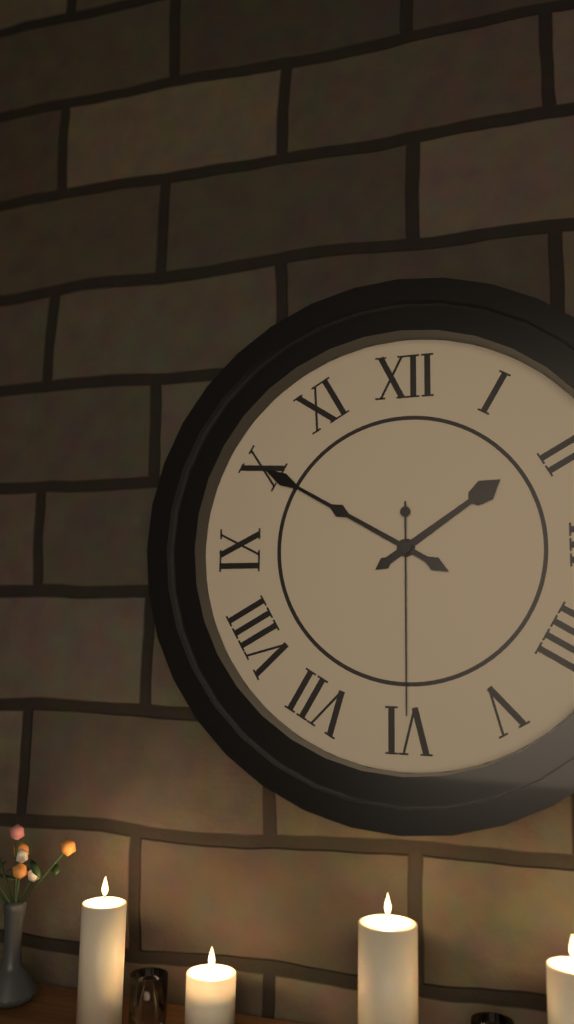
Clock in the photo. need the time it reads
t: 1:50:30
